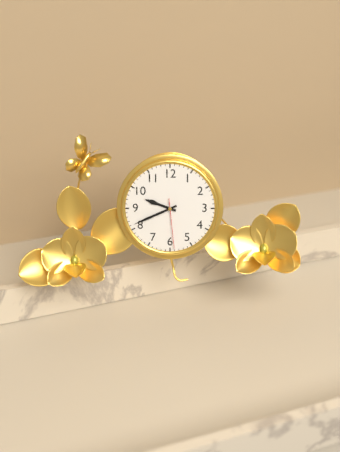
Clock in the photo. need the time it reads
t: 9:41:29
